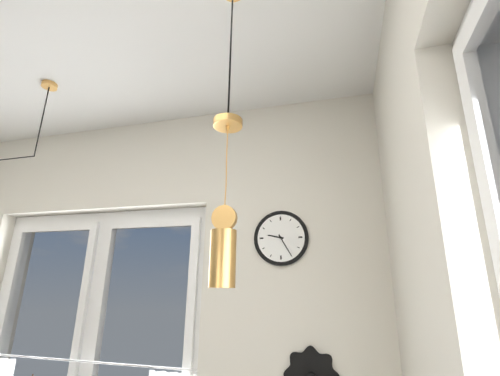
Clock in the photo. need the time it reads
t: 9:25
